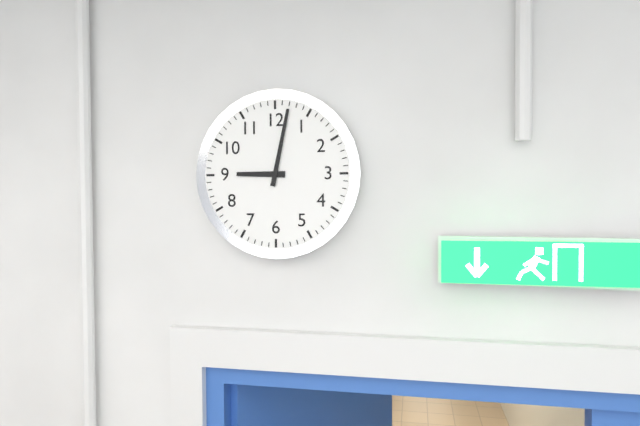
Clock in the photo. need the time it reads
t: 9:02
